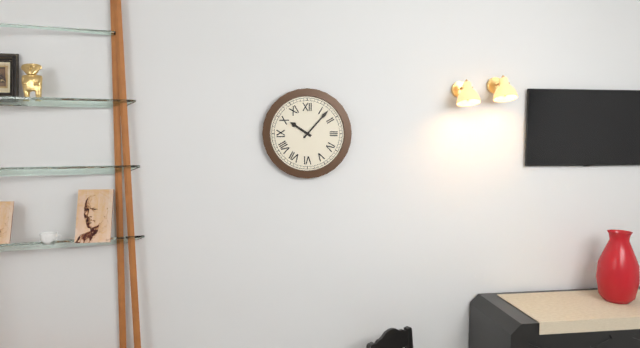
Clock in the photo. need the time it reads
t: 10:07
